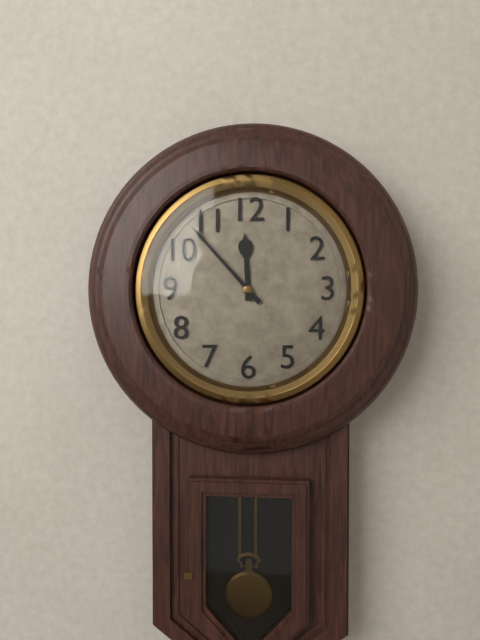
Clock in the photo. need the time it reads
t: 11:53
